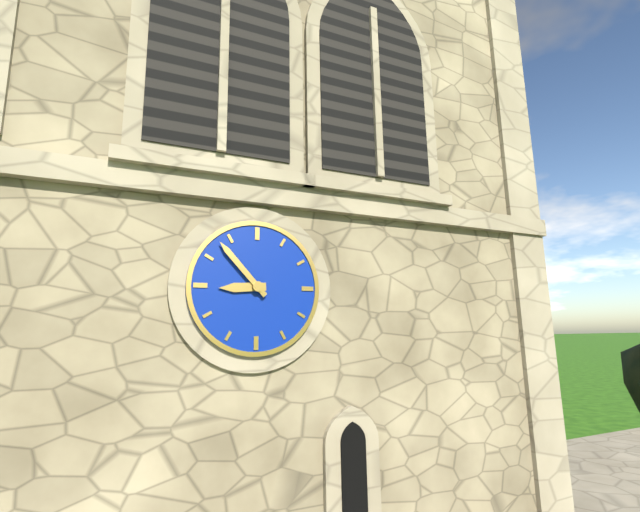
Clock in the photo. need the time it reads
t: 8:53
